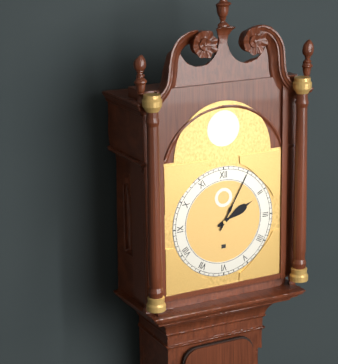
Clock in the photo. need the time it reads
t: 2:05
